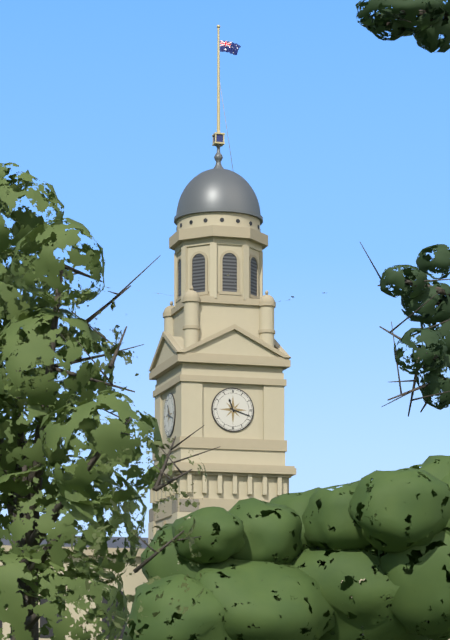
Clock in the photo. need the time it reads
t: 11:18
